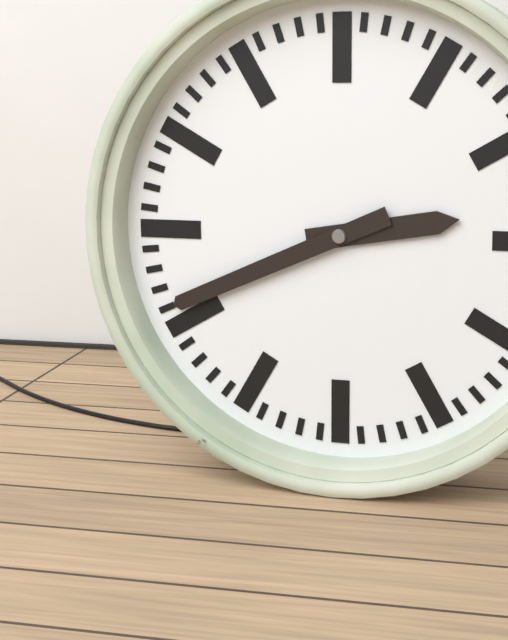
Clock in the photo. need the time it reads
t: 2:41
